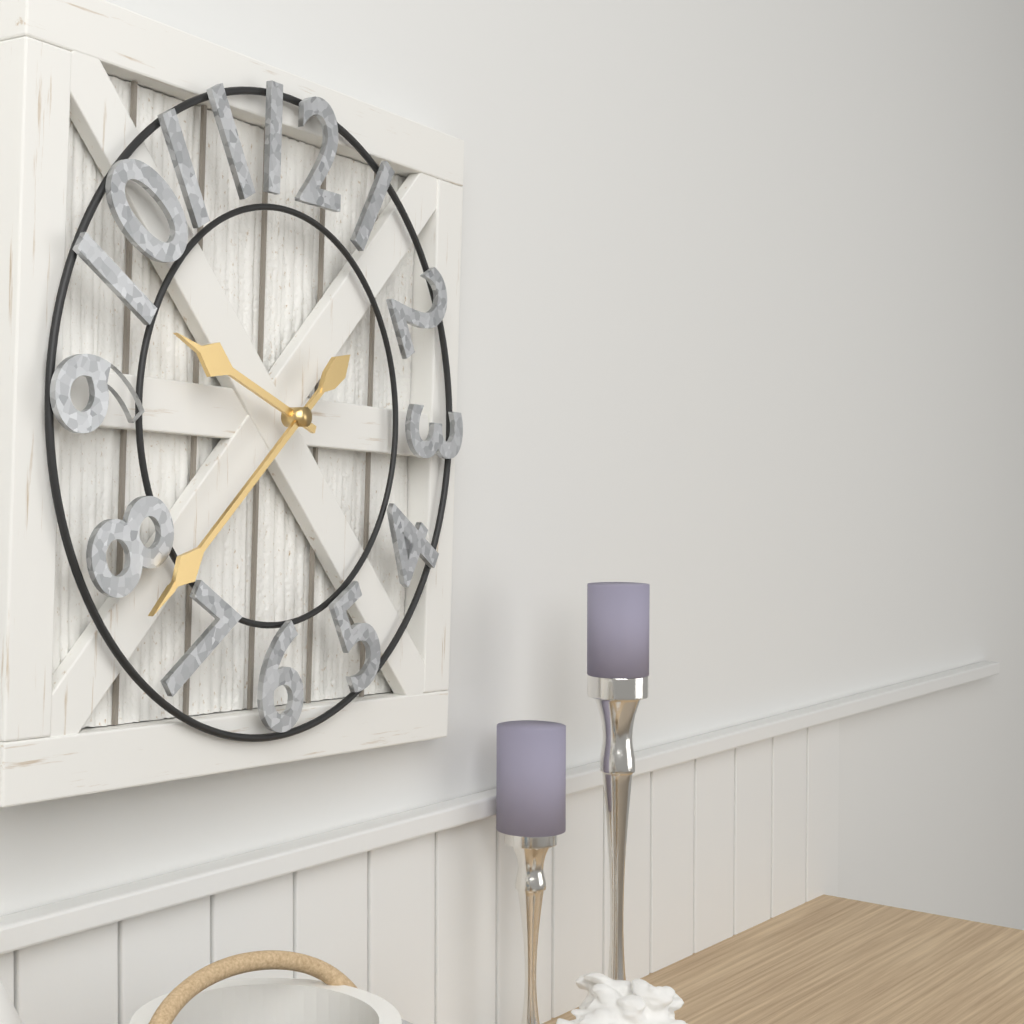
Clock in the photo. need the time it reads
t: 9:38
